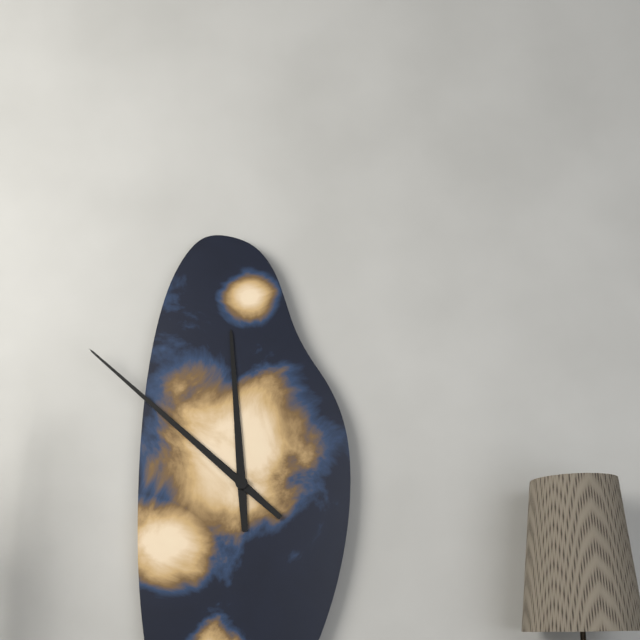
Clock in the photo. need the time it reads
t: 11:52
